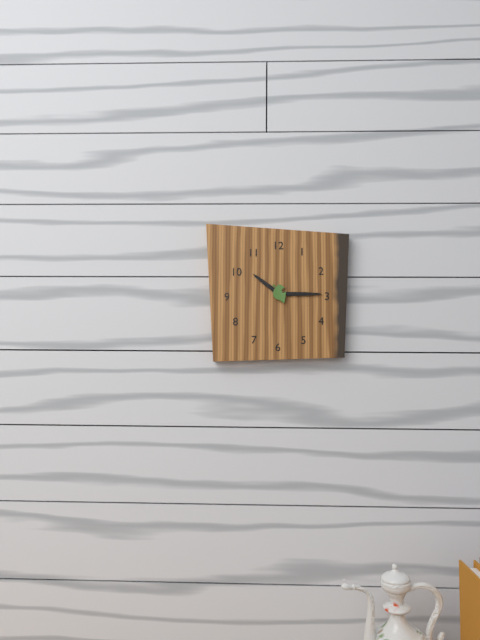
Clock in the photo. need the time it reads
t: 10:15
